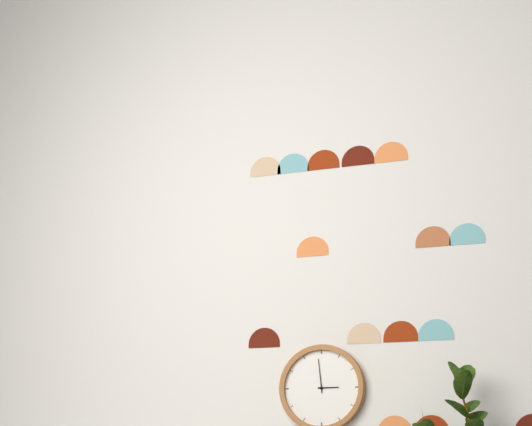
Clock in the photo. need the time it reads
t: 2:59
